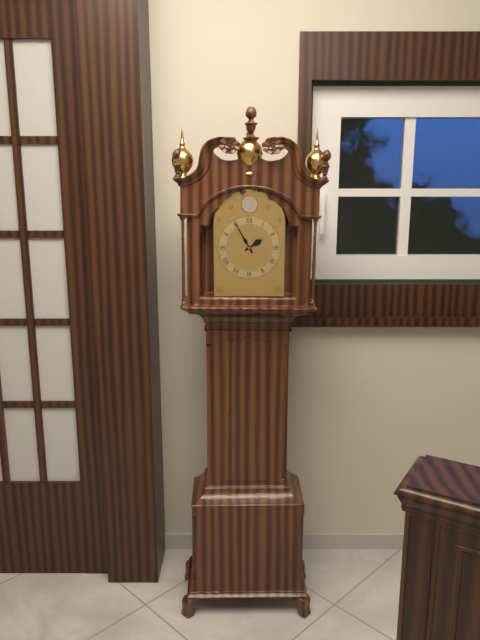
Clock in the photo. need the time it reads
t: 1:55
